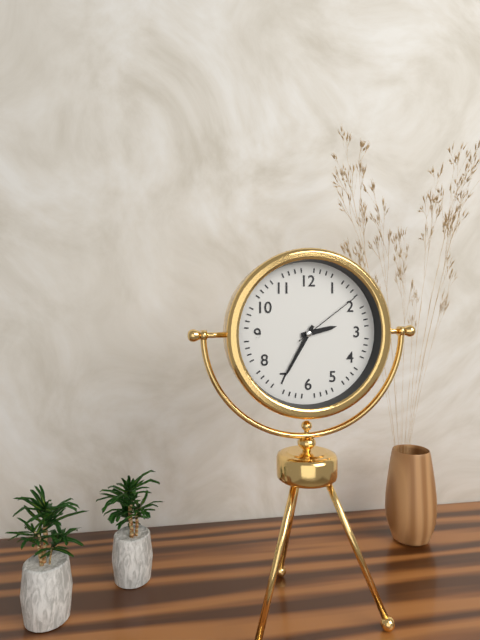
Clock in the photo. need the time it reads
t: 2:35:09
